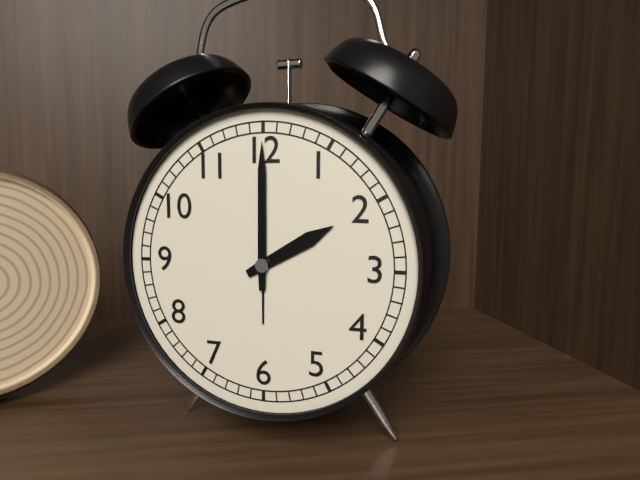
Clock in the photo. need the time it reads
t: 2:00
